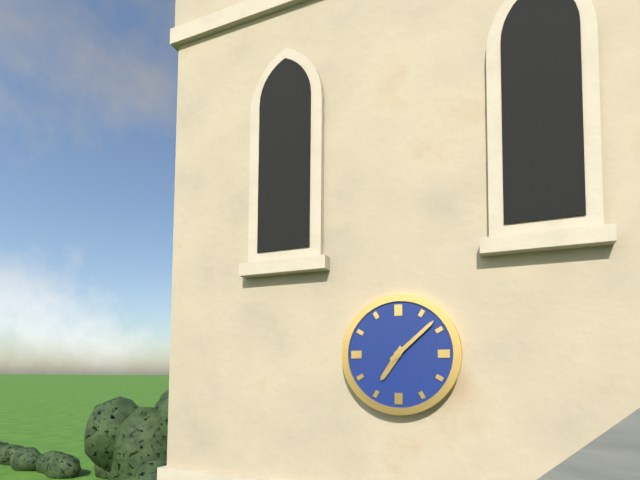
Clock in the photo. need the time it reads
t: 7:08
